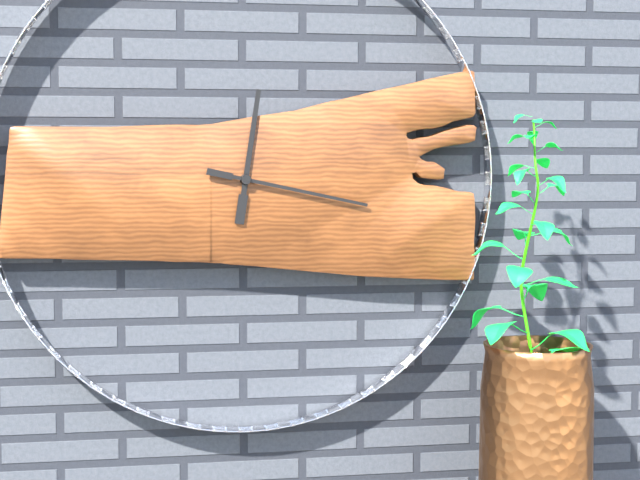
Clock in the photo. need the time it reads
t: 12:17
